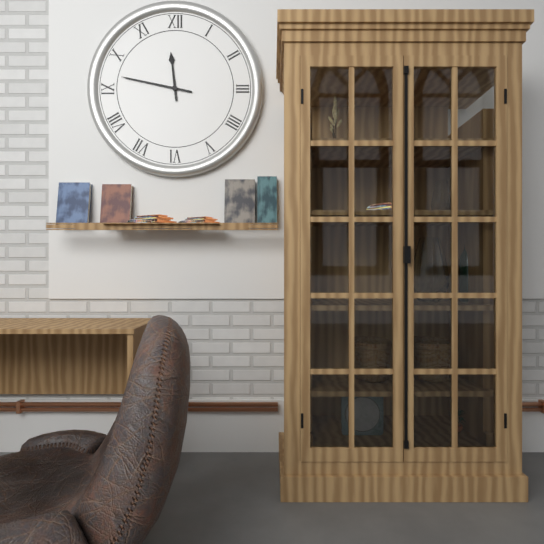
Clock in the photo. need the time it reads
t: 11:47
